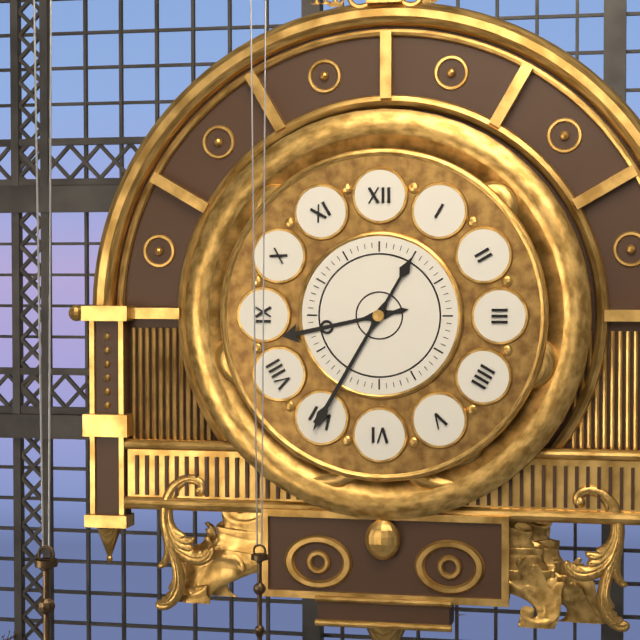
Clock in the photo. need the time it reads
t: 8:35
